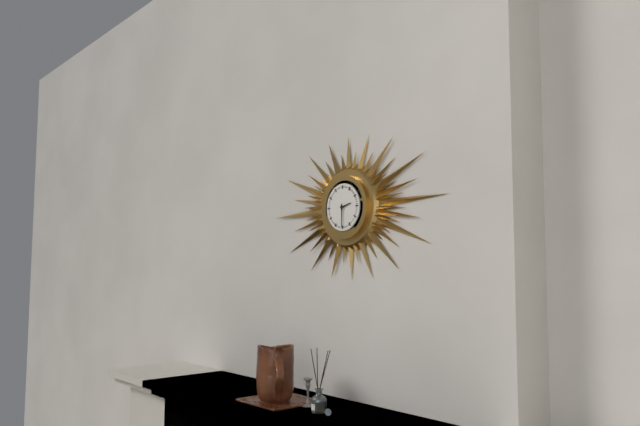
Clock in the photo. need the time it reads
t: 2:30
